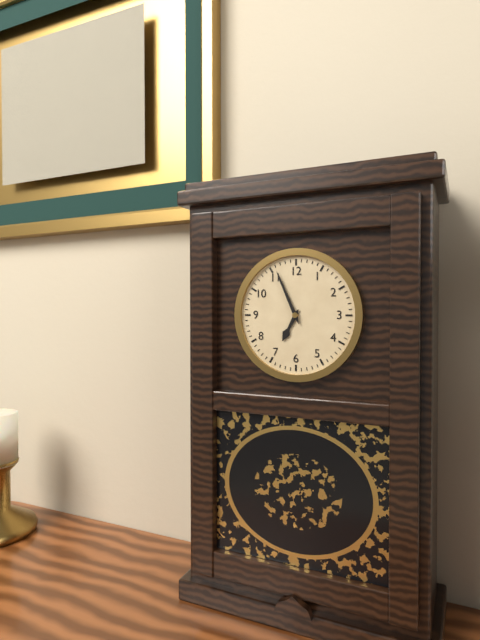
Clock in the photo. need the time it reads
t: 6:56
